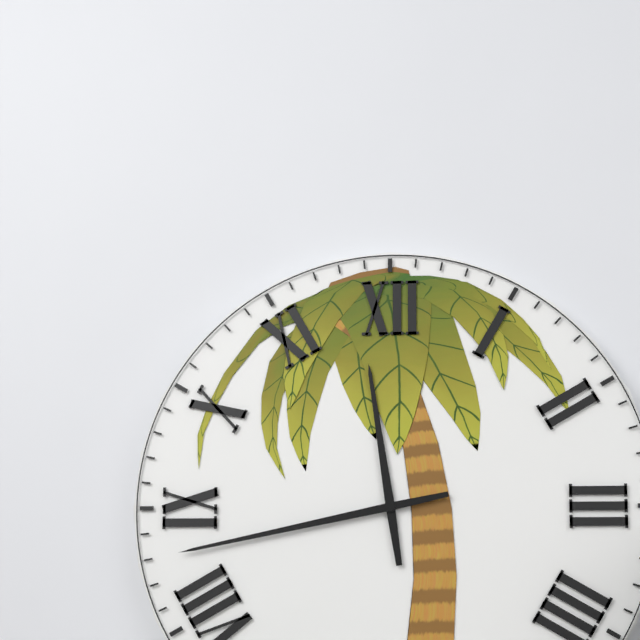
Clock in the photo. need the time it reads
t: 11:43
